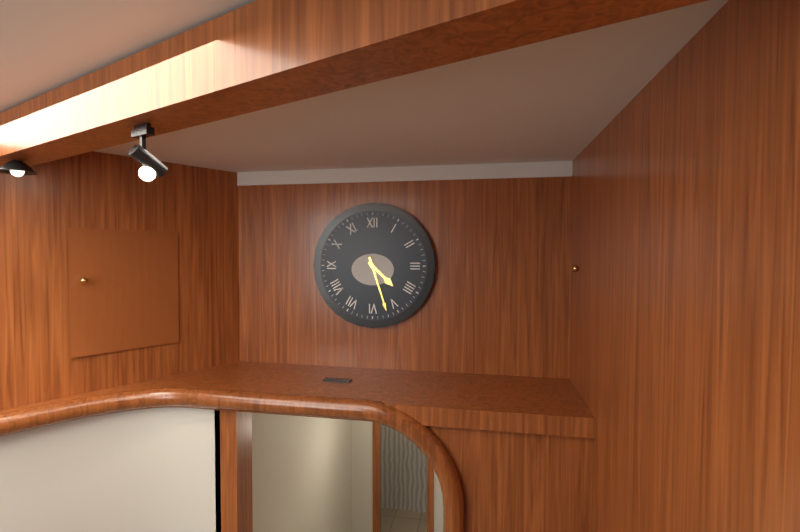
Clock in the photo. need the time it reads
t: 4:27
